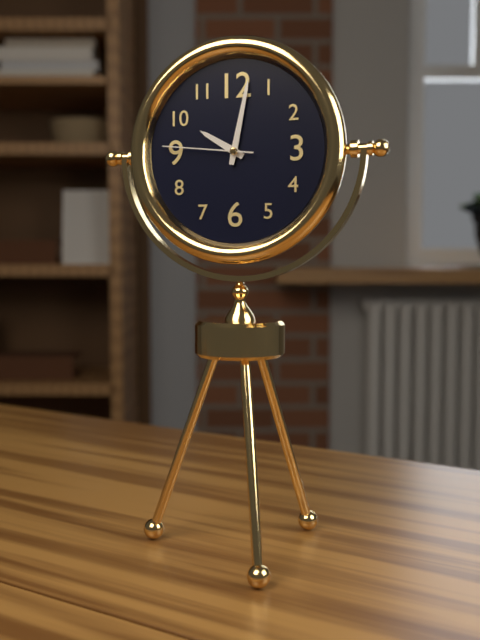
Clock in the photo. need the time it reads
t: 10:02:46
